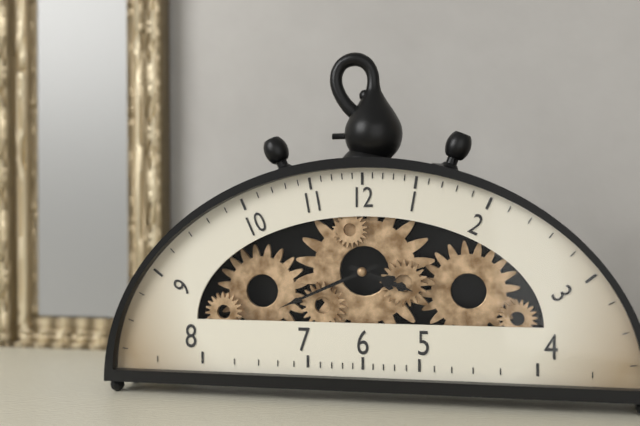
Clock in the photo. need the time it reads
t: 3:41
